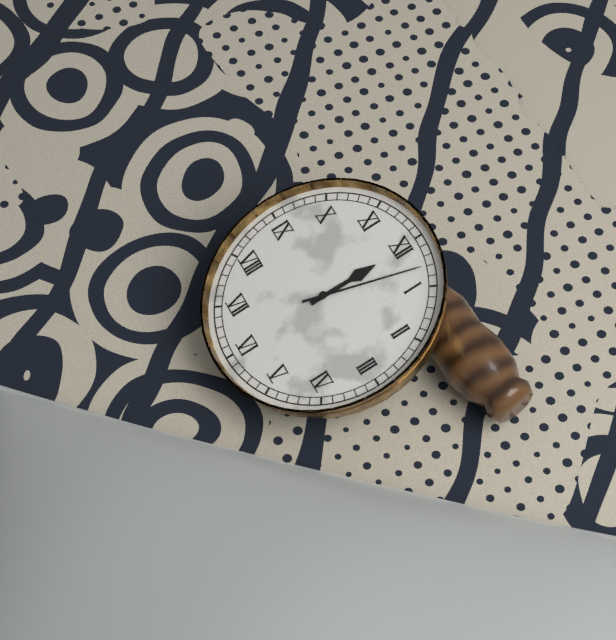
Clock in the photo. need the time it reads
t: 12:03
